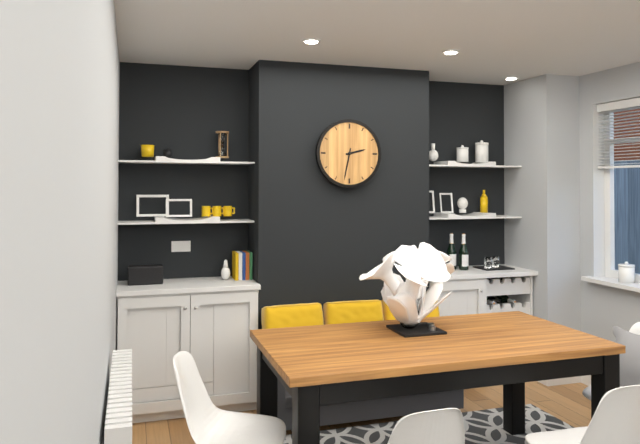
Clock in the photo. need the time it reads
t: 2:32
